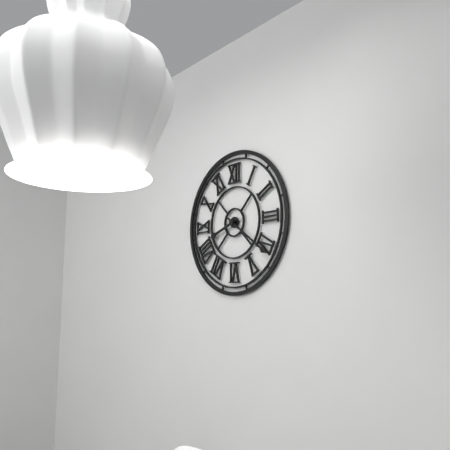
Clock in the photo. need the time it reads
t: 8:21
